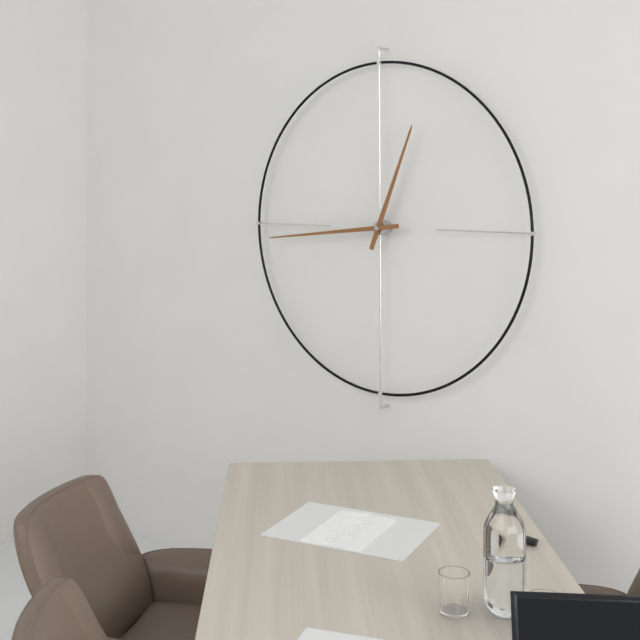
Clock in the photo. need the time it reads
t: 12:44
